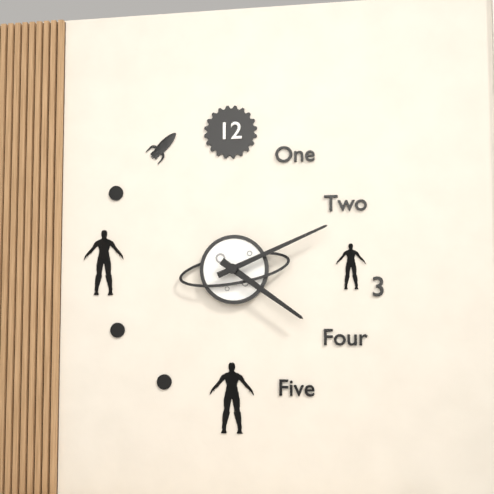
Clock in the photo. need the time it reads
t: 4:11
